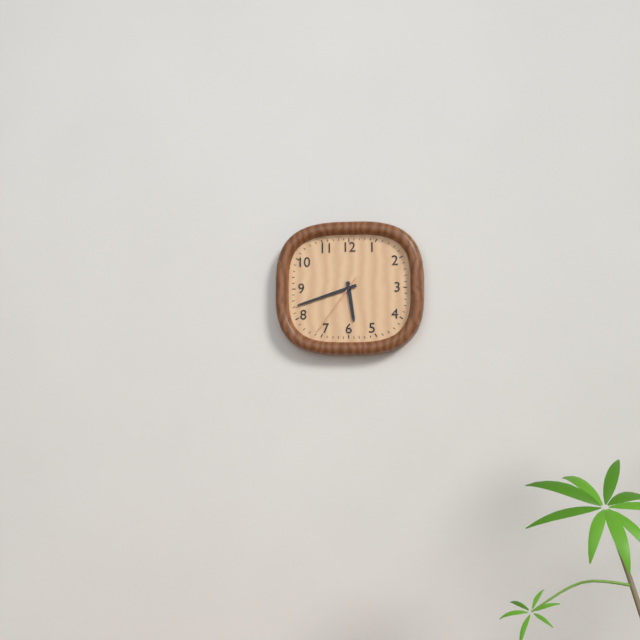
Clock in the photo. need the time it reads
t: 5:42:36
